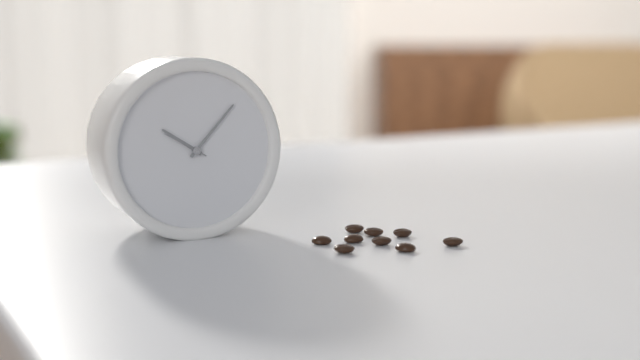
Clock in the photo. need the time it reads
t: 10:07
